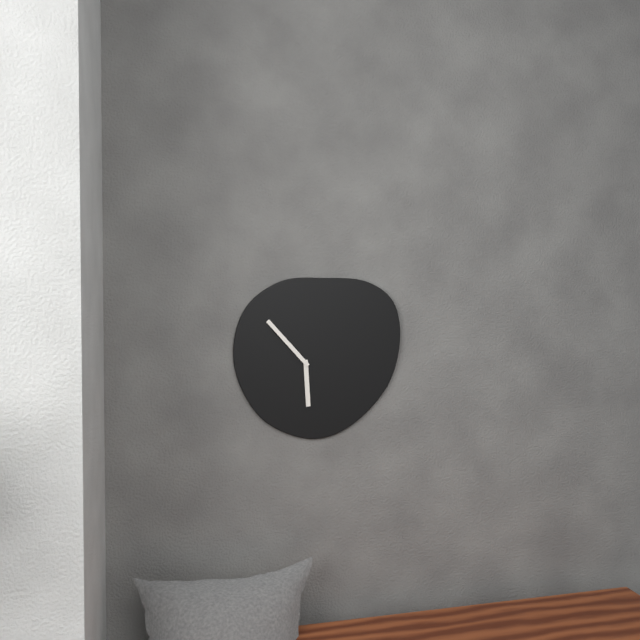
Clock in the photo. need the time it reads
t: 5:53
